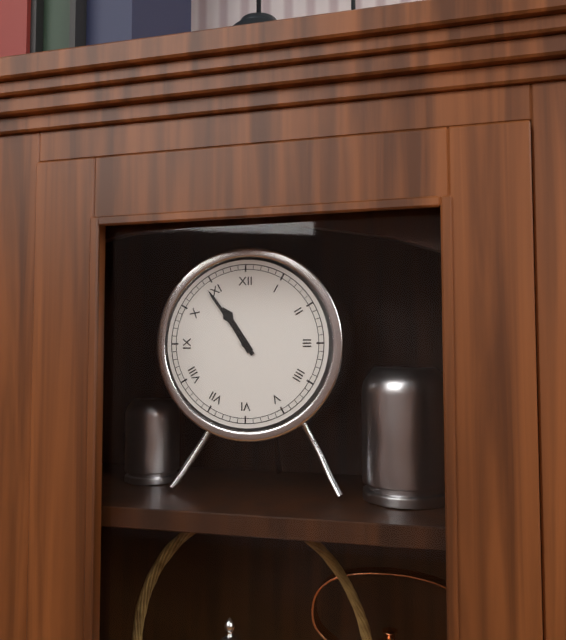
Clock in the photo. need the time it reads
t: 10:54
